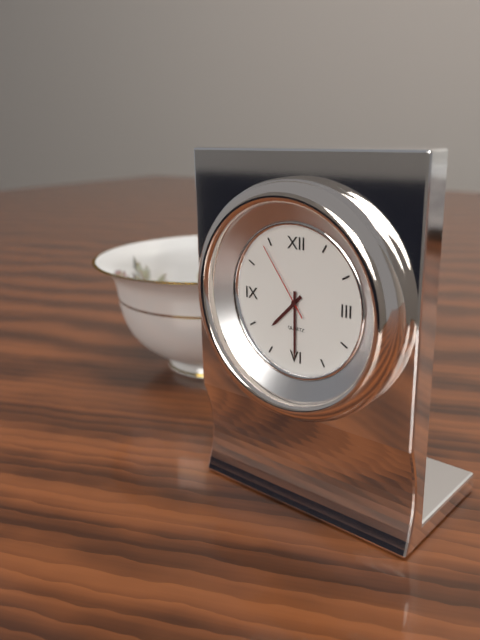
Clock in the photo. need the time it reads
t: 7:30:54
